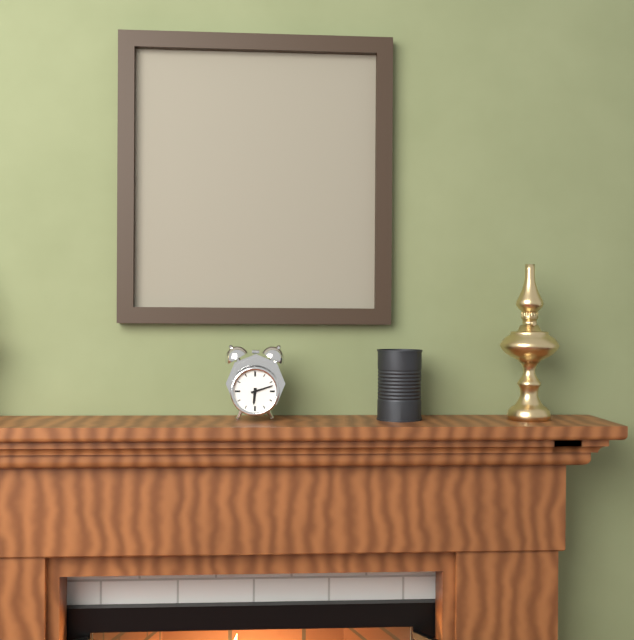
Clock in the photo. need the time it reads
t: 6:12
